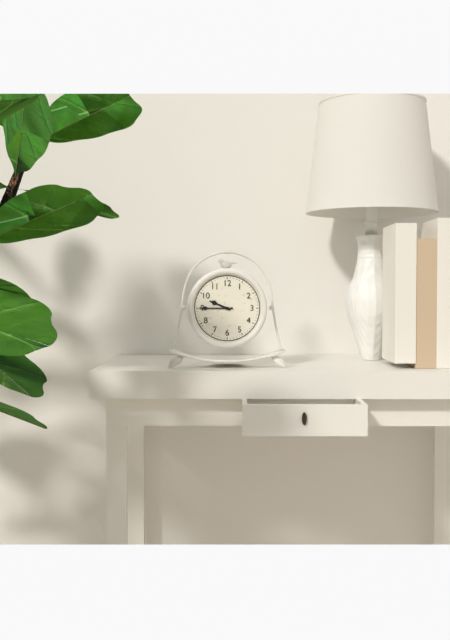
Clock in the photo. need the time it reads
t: 9:45
